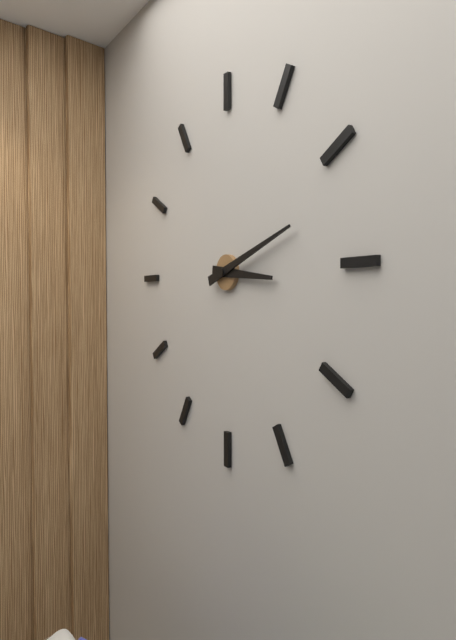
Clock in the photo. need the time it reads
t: 3:12
